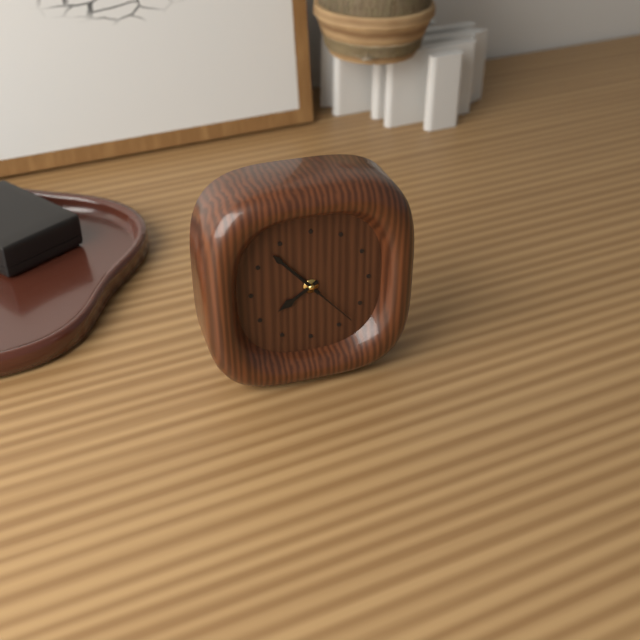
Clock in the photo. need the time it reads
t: 7:53:23
